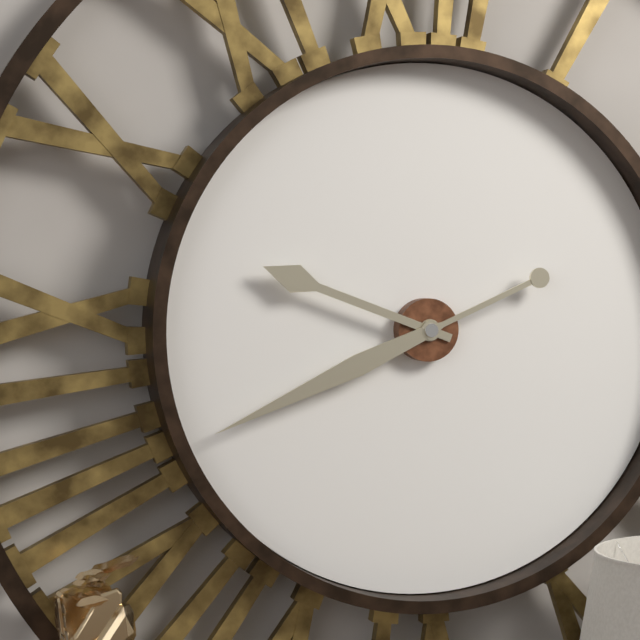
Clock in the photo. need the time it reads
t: 9:41
